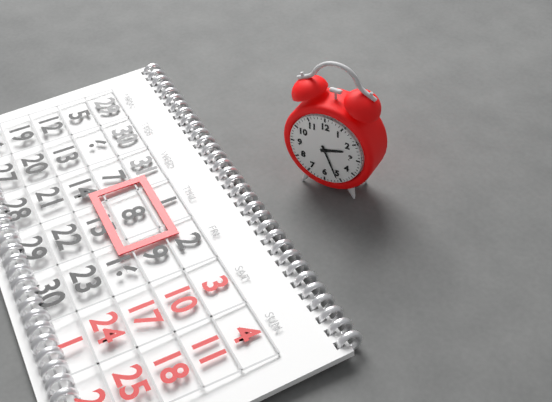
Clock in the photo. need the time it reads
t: 2:26
